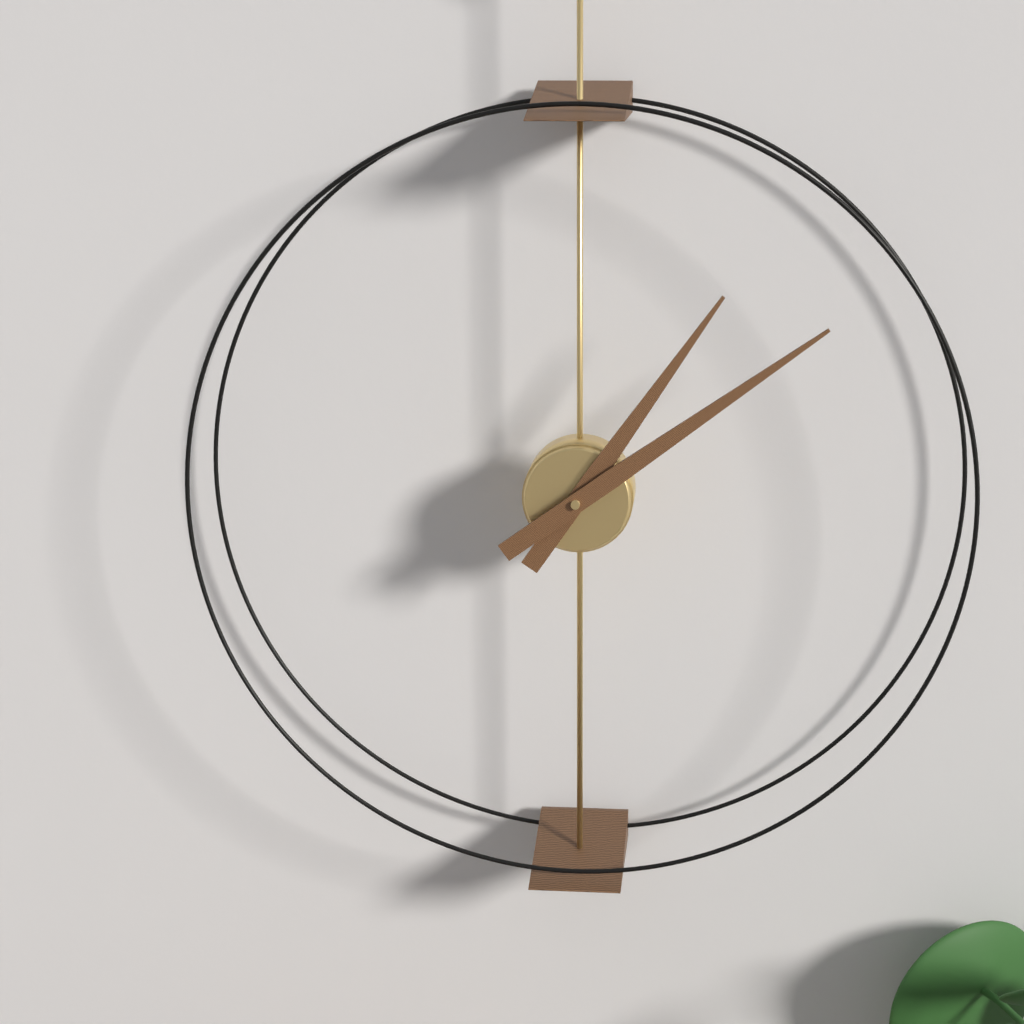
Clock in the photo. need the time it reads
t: 1:09
